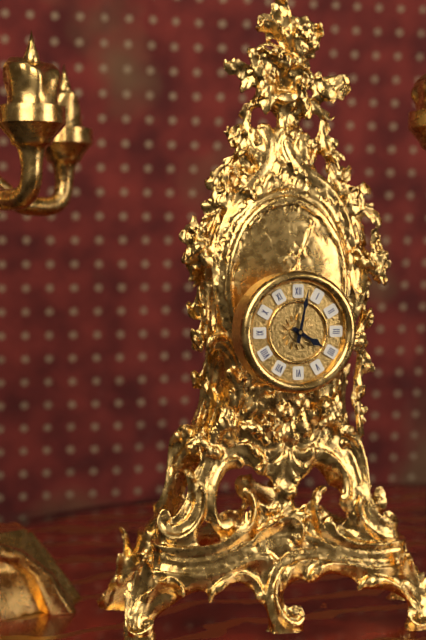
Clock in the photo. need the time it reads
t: 4:02
